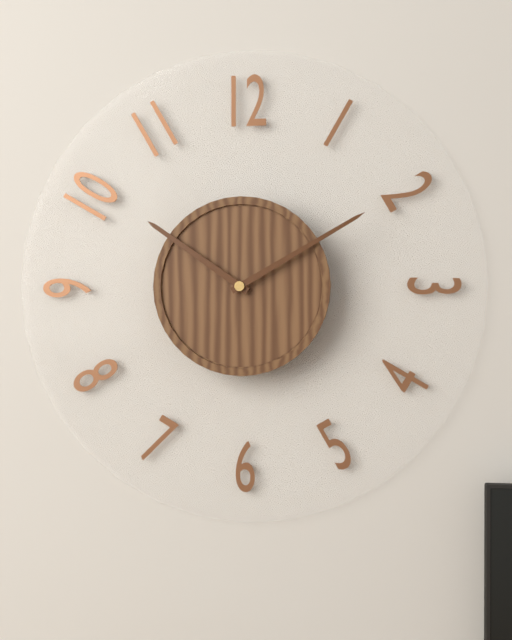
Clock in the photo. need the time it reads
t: 10:10
